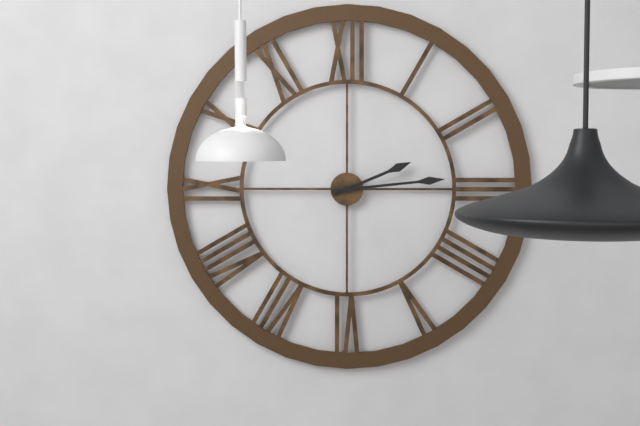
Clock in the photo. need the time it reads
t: 2:14
